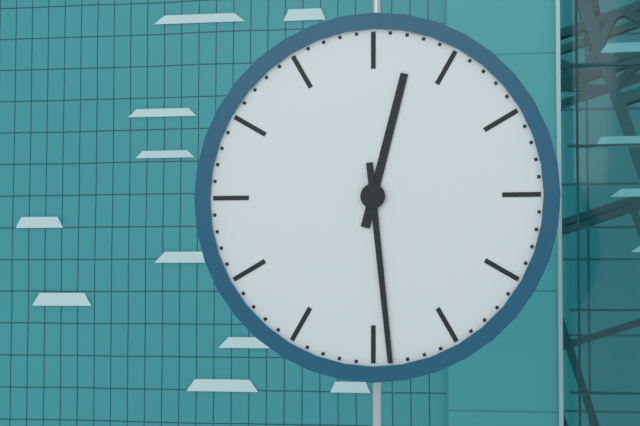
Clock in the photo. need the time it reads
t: 12:29
